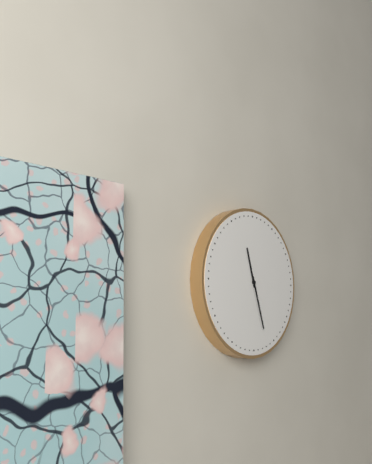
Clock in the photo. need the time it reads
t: 11:27
